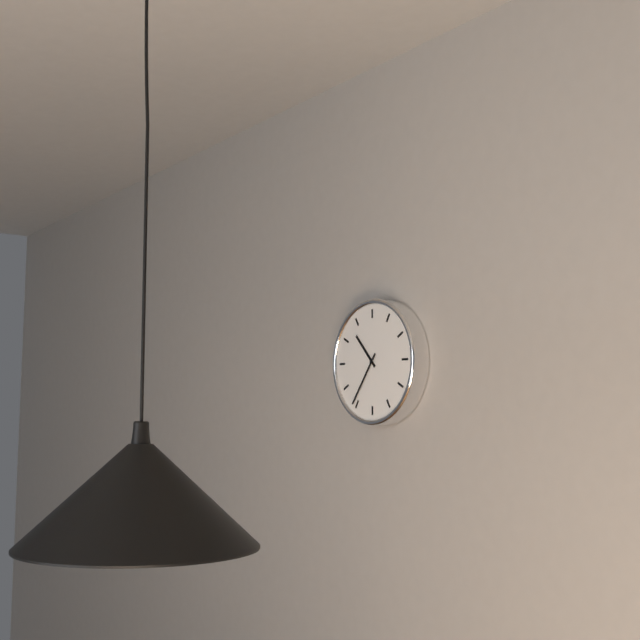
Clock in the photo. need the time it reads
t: 10:36
